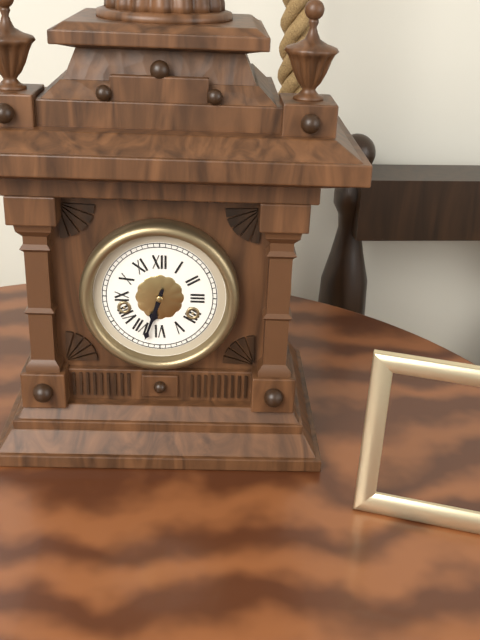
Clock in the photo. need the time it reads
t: 6:33
